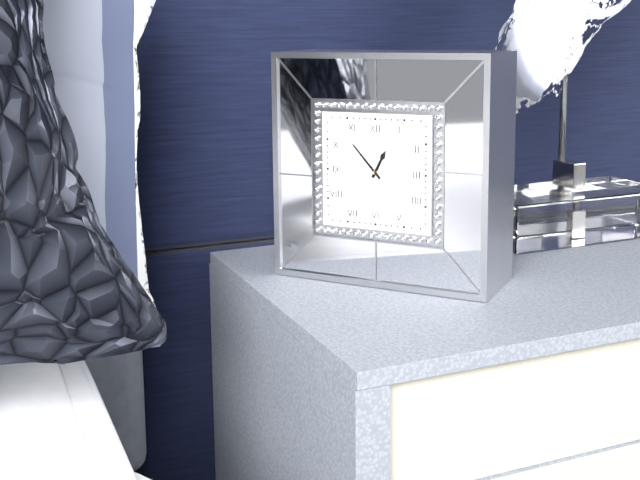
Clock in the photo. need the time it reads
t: 12:53
